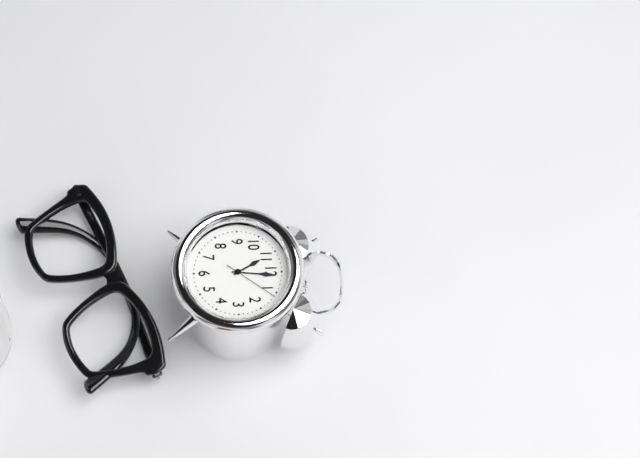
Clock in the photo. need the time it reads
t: 11:01:06
